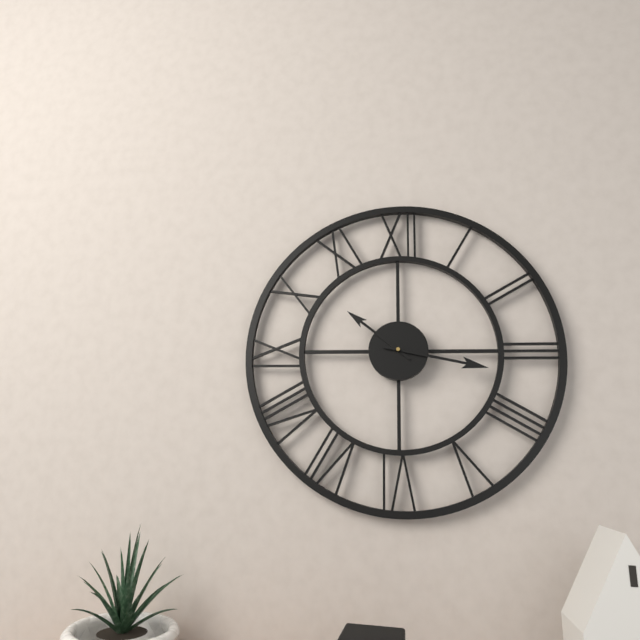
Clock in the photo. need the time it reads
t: 10:17
